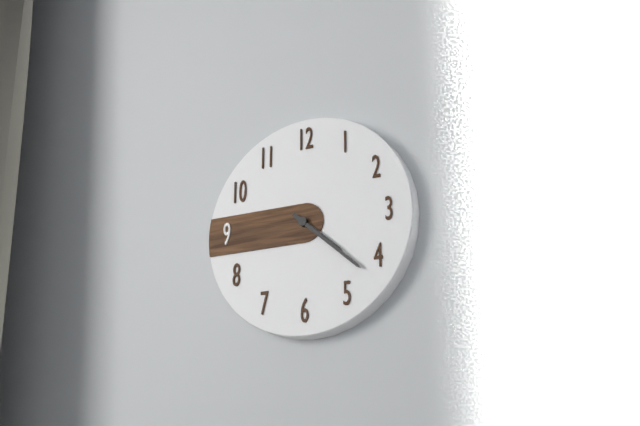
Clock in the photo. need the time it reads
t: 4:22
